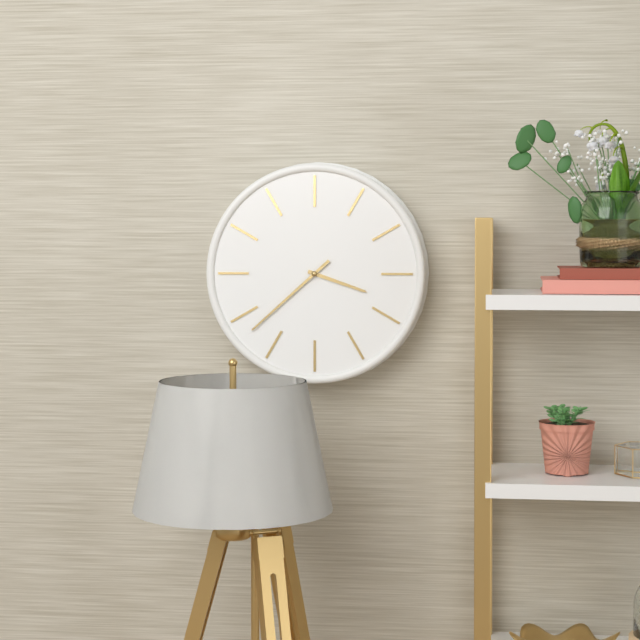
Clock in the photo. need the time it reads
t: 3:38
